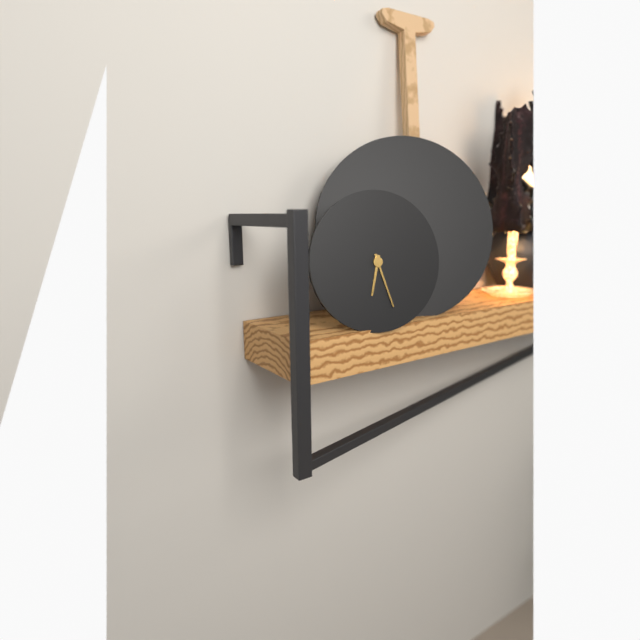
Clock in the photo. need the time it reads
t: 6:27
